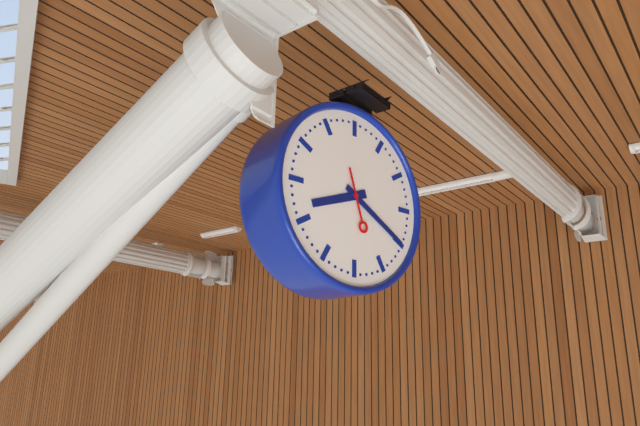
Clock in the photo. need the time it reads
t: 8:20
